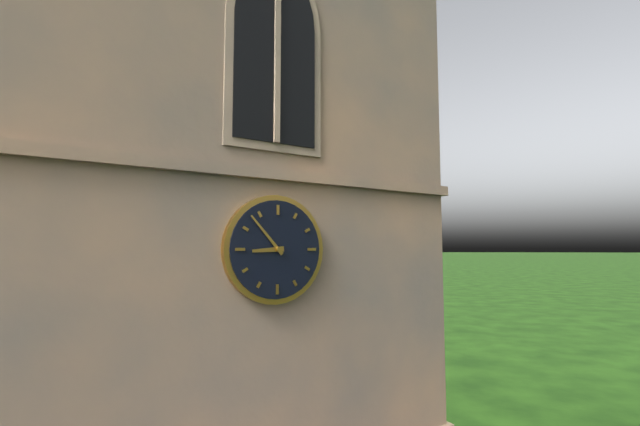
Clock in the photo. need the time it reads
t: 8:53
